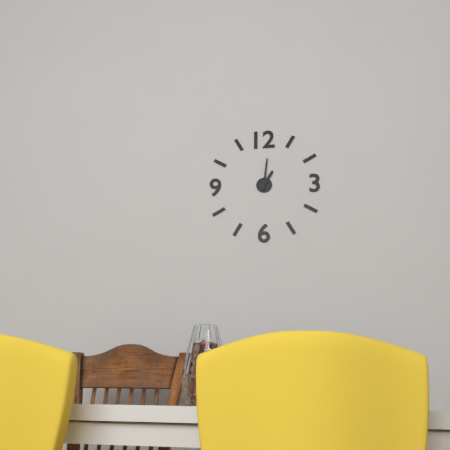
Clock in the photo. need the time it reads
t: 1:01
